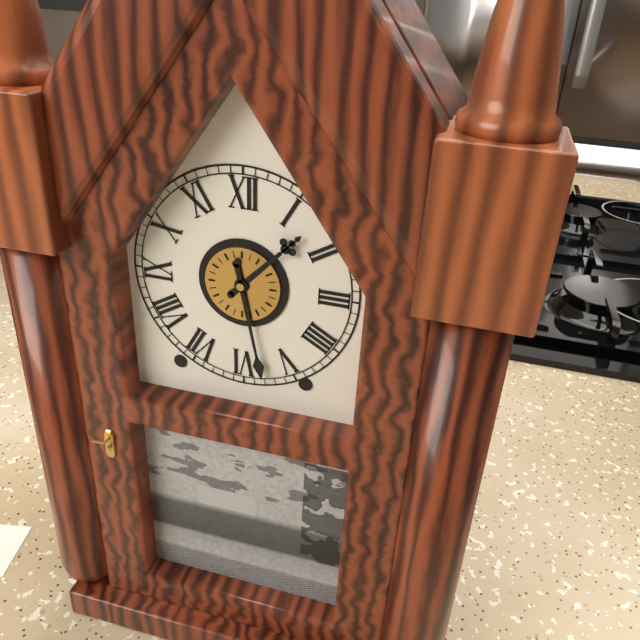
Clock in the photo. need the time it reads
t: 1:28
